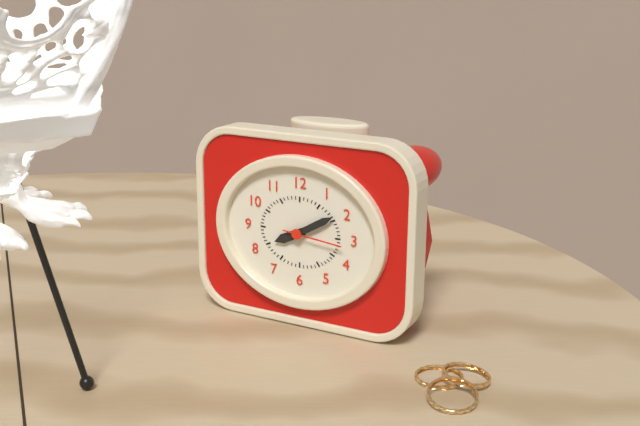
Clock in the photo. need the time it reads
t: 8:10:16
